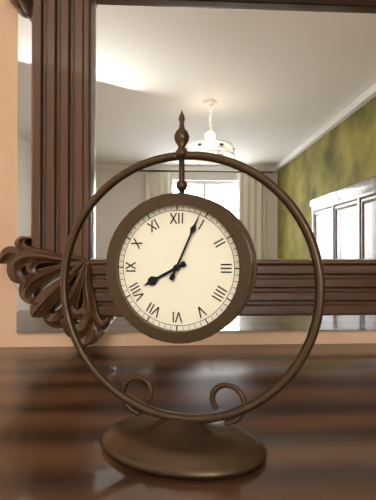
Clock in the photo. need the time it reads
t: 8:04
